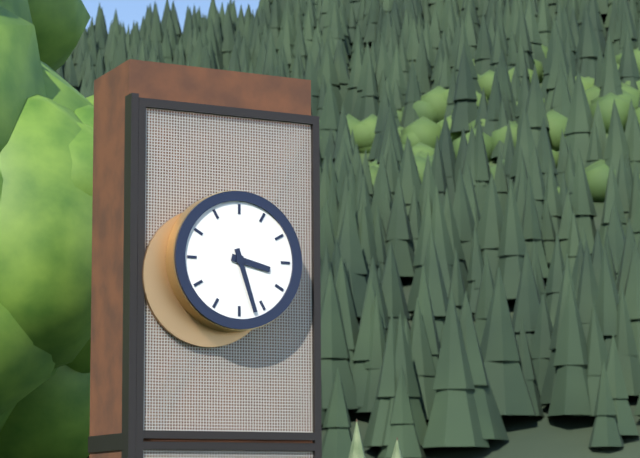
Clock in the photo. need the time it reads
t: 3:27
